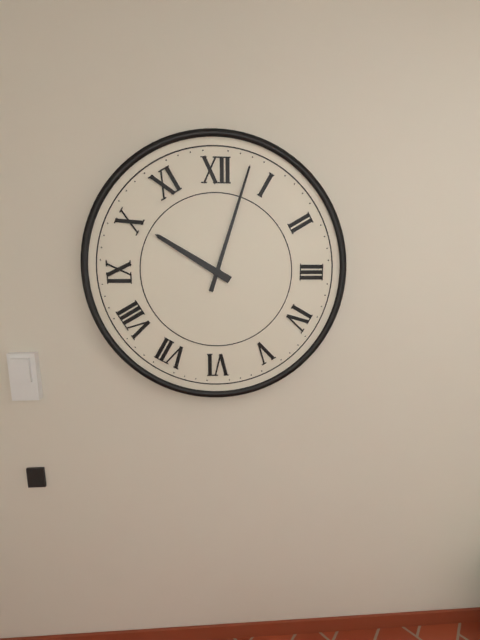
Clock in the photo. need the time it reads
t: 10:03
